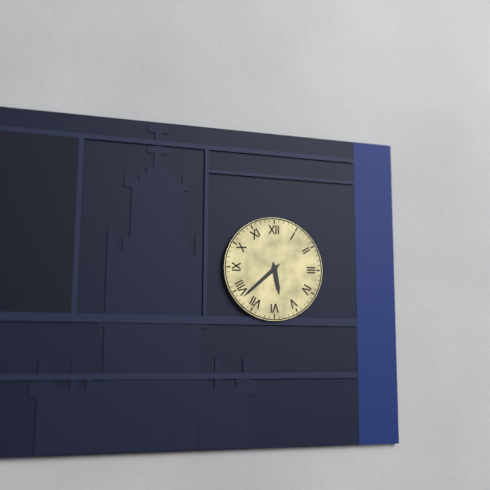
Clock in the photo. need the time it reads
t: 5:38
